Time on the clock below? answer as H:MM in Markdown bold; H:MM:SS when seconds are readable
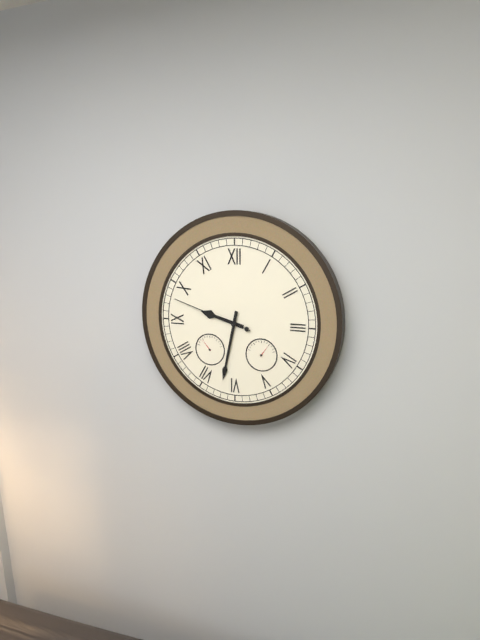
**9:32:48**
